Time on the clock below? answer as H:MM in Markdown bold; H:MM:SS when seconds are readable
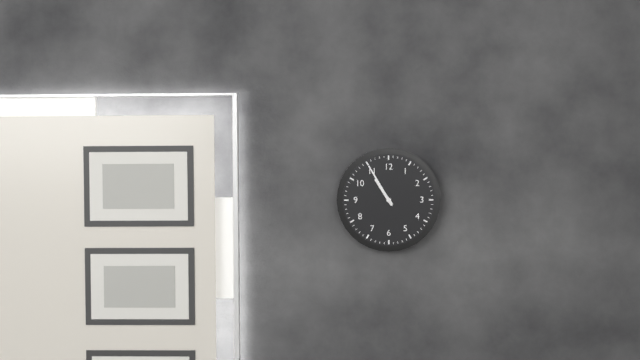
**10:55**
